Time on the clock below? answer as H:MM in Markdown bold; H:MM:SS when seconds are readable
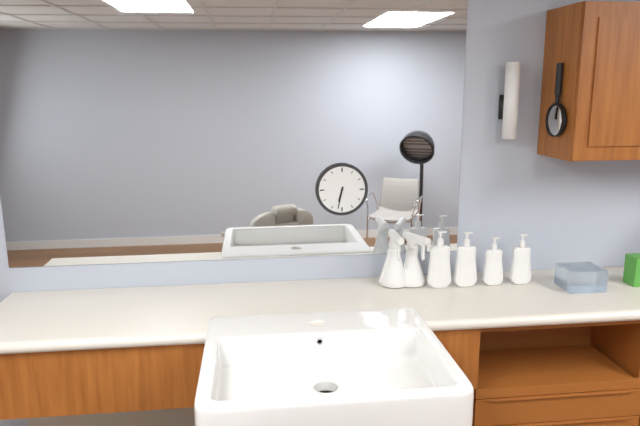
**6:32**
